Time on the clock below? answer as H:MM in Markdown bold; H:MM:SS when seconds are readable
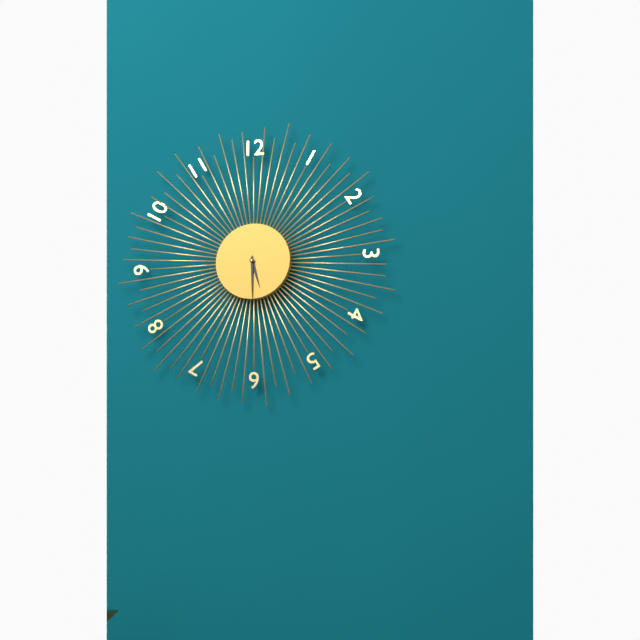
**5:30**
